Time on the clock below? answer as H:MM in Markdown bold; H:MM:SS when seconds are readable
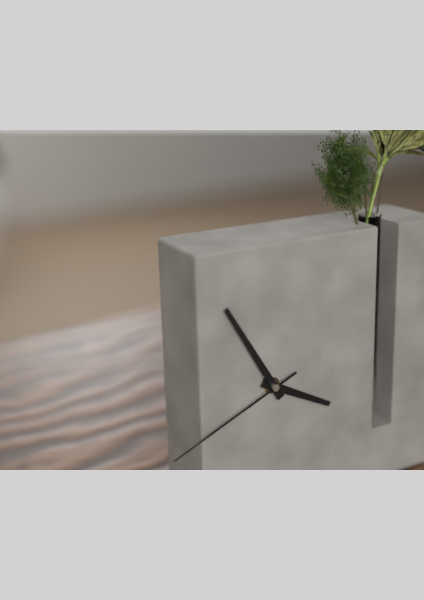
**3:55:41**
